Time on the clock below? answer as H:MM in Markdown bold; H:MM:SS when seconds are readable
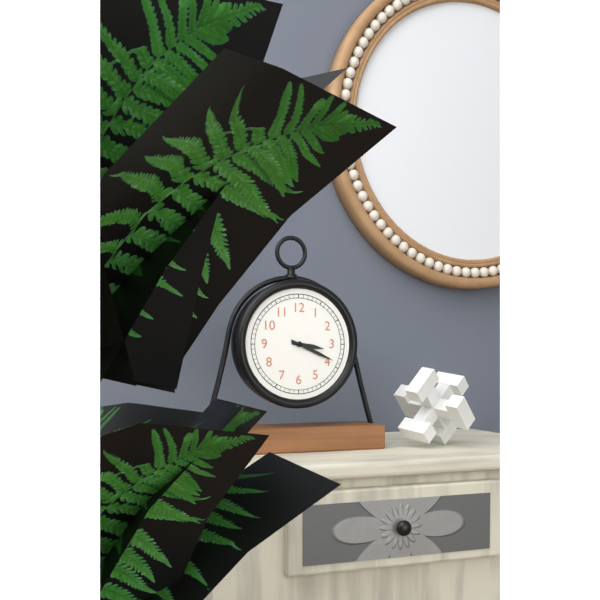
**3:19**
